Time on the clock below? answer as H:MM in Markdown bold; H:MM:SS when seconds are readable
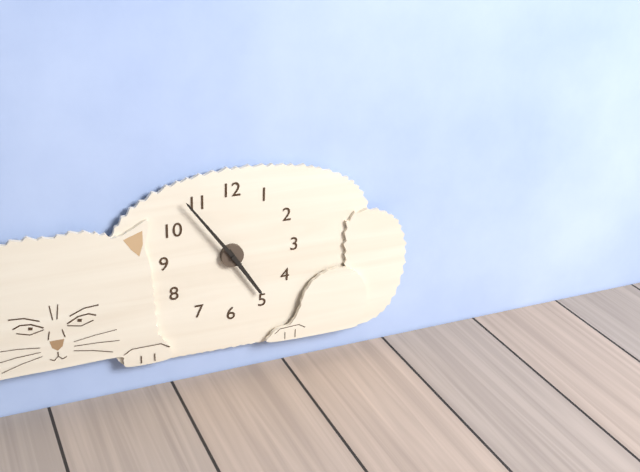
**4:54**
